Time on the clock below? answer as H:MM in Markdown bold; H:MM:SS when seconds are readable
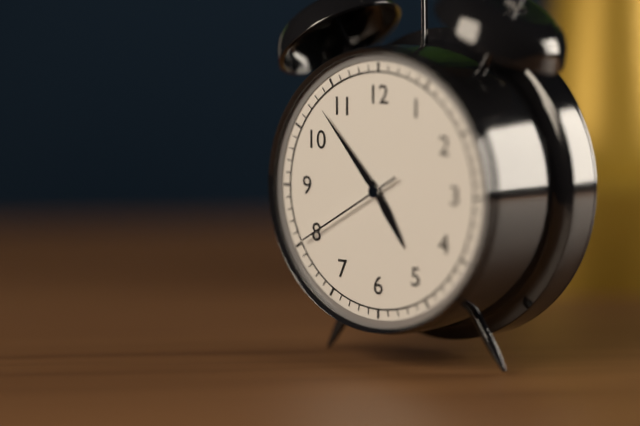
**4:53:40**
